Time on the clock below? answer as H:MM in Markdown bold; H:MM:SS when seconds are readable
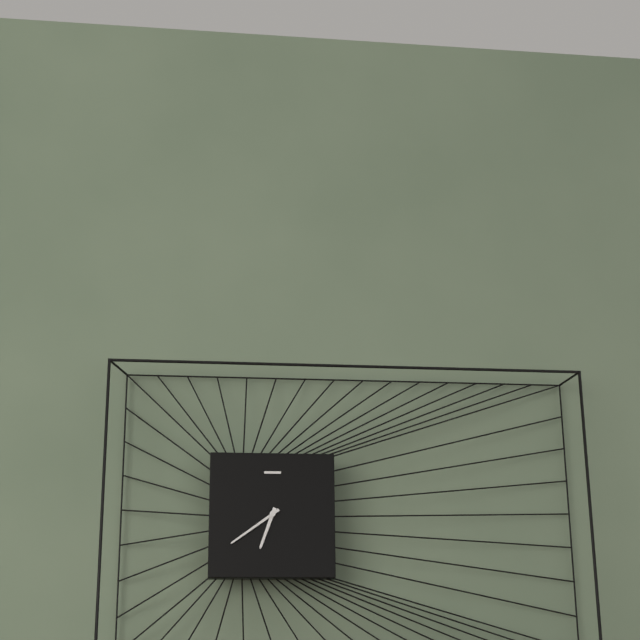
**6:39**
